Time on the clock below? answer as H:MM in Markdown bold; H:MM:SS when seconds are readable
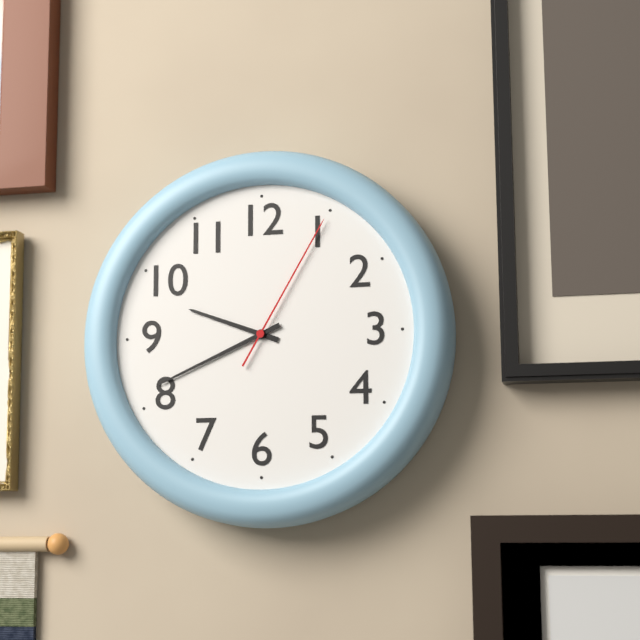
**9:41:05**
